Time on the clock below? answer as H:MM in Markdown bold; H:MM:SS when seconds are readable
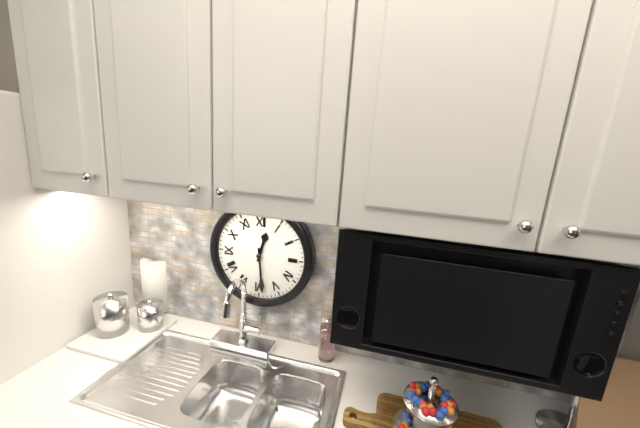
**12:29**
